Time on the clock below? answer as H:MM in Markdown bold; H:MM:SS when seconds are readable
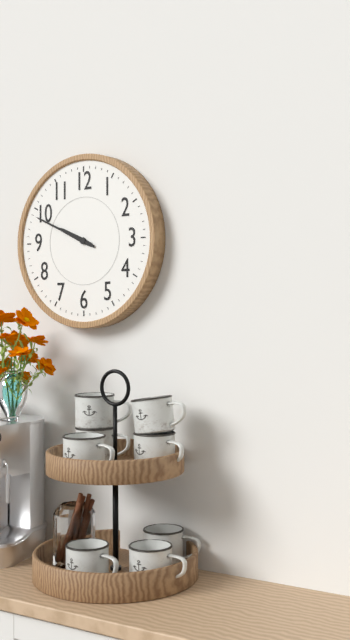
**9:49**
